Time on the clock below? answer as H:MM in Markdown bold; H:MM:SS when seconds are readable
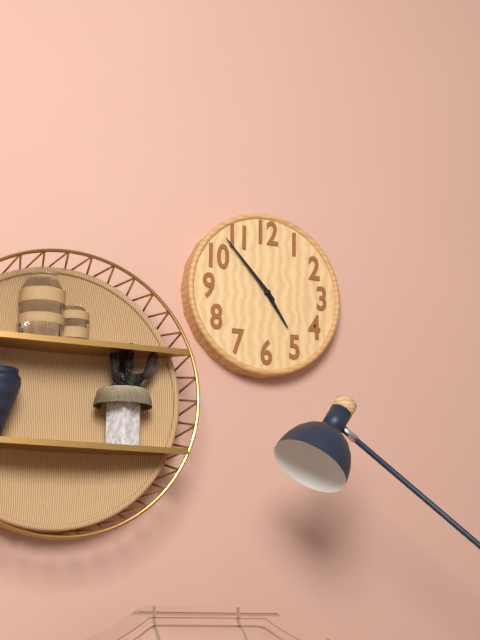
**4:53**
